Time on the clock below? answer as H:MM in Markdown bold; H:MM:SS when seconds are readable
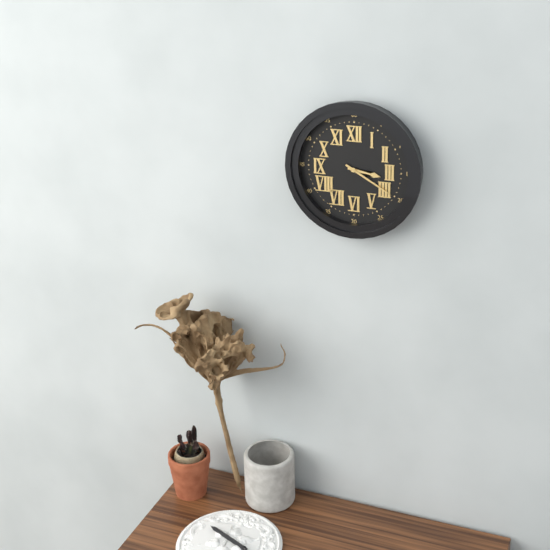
**3:20**
